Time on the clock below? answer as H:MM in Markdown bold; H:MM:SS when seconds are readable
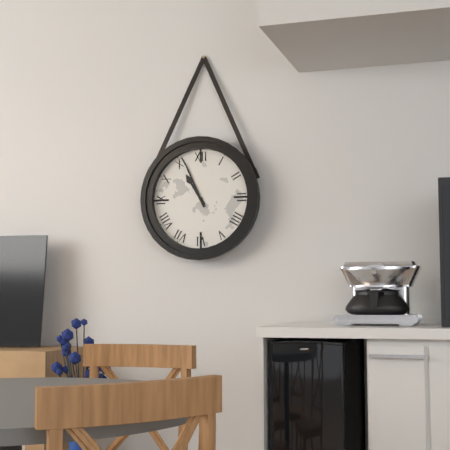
**10:56**
